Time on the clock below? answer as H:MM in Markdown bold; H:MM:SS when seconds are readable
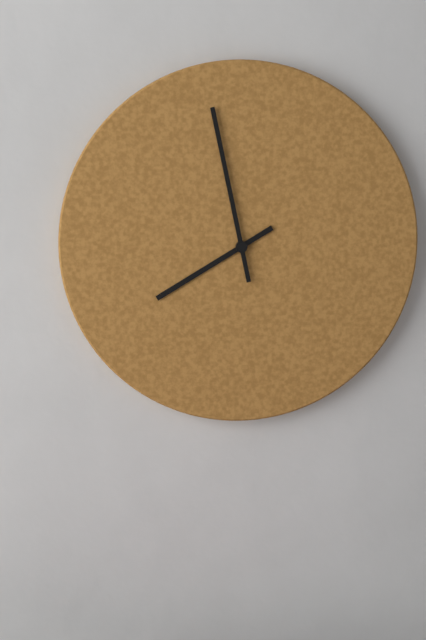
**7:58**
